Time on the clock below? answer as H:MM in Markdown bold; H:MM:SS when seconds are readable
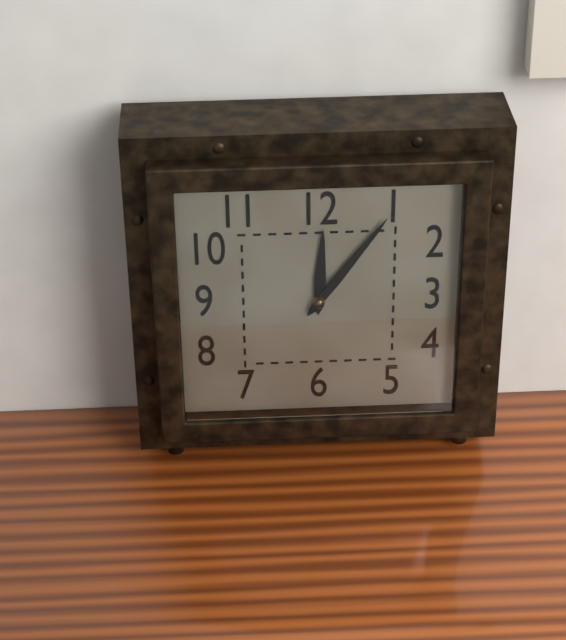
**12:06**
